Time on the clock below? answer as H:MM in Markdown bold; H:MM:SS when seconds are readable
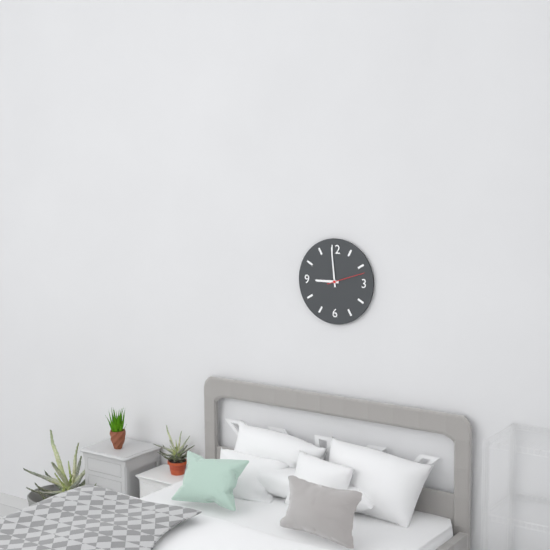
**8:59**
